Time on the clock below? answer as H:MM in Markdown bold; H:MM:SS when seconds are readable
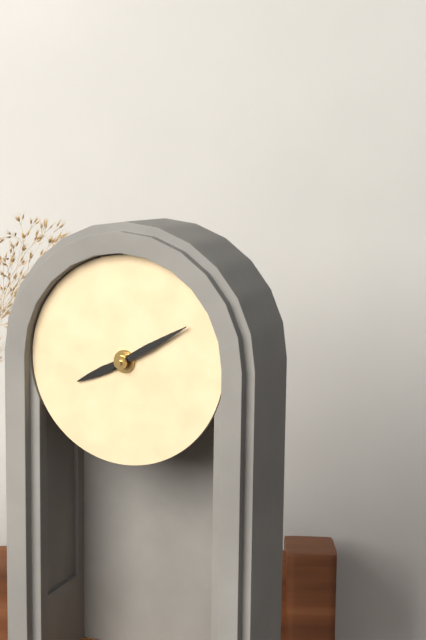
**8:10**
